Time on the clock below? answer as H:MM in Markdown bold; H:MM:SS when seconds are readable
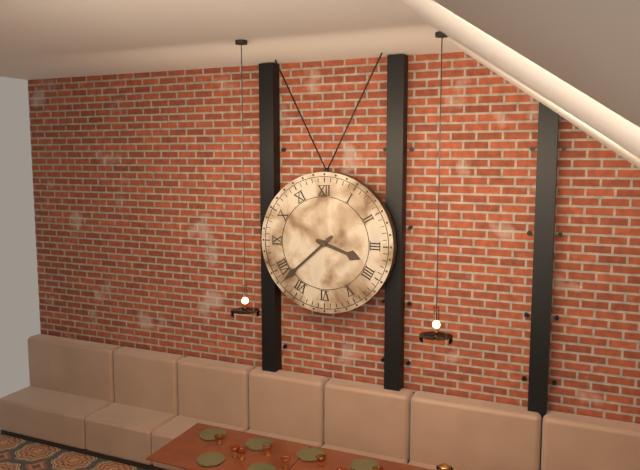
**3:38**
